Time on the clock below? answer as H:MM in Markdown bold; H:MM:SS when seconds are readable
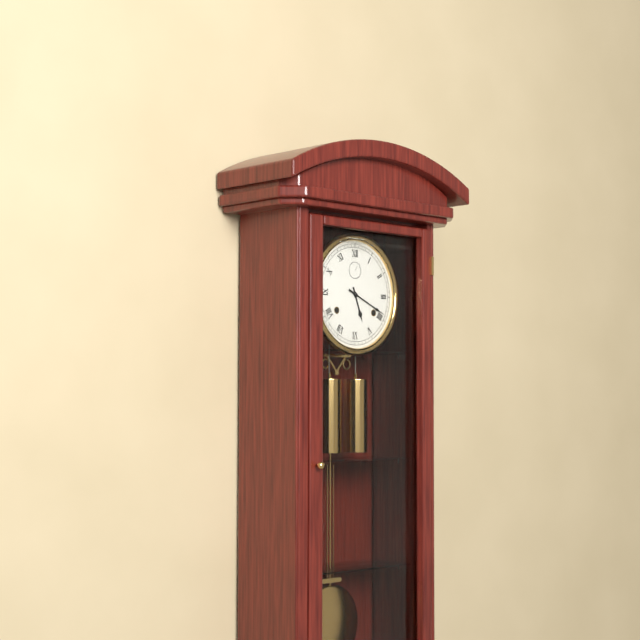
**5:19**
